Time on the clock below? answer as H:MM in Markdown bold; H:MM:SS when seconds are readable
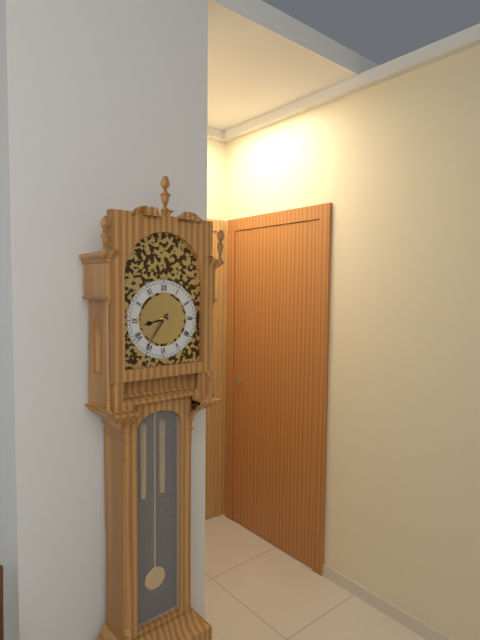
**8:36**
